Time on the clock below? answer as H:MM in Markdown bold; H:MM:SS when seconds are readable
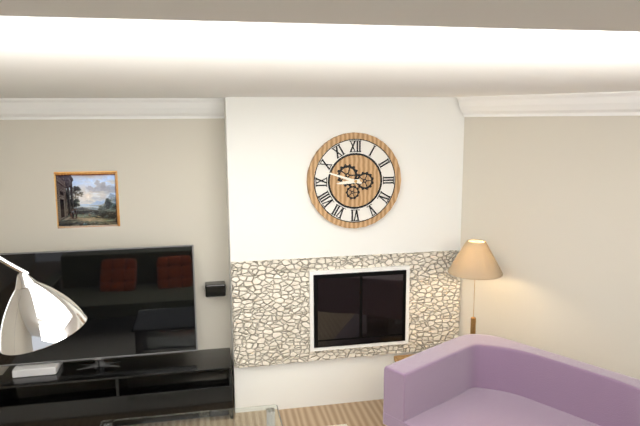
**8:48**
